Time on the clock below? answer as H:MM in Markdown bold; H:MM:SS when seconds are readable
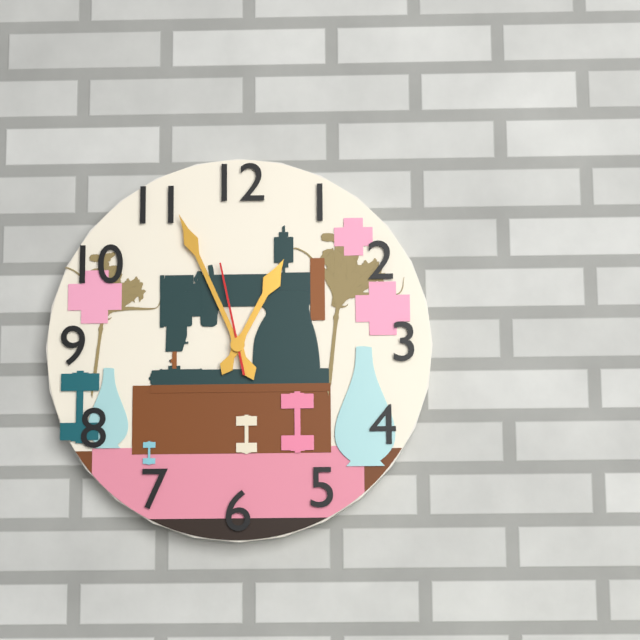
**12:56:58**
